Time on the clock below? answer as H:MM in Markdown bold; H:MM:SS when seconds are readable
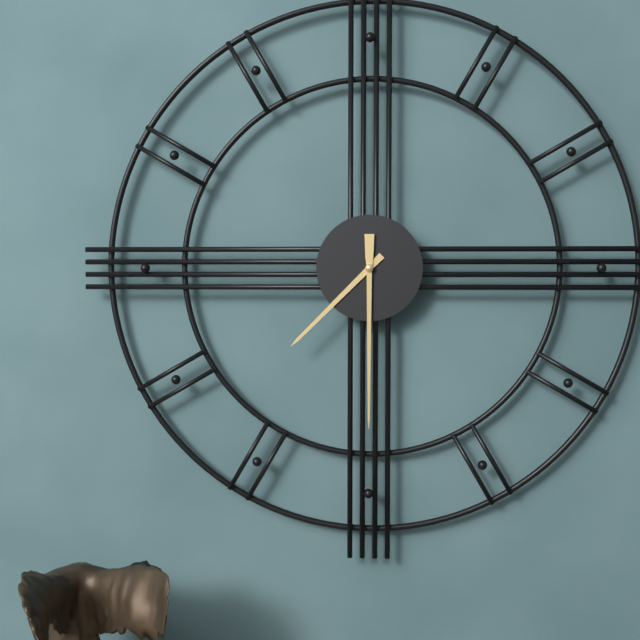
**7:30**
